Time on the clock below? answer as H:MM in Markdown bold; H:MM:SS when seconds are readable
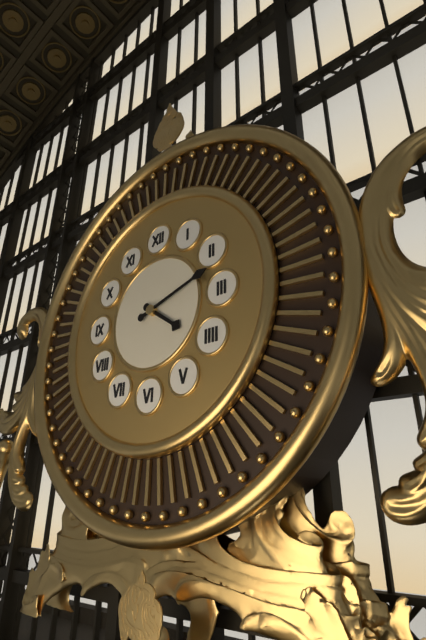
**4:12**
